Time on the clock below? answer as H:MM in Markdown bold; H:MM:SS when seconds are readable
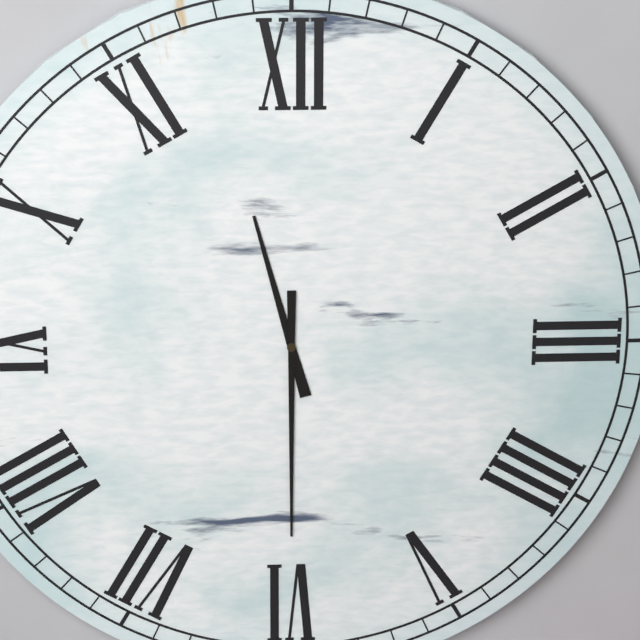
**11:30**
